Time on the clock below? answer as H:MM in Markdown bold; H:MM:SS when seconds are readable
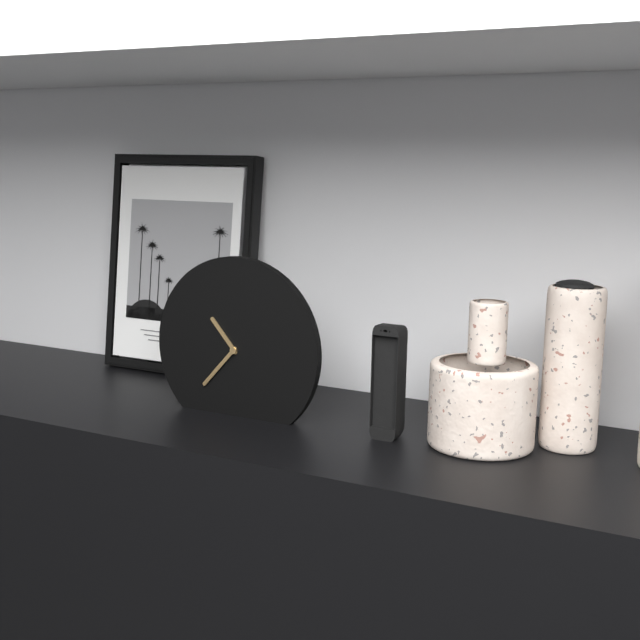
**10:37**
